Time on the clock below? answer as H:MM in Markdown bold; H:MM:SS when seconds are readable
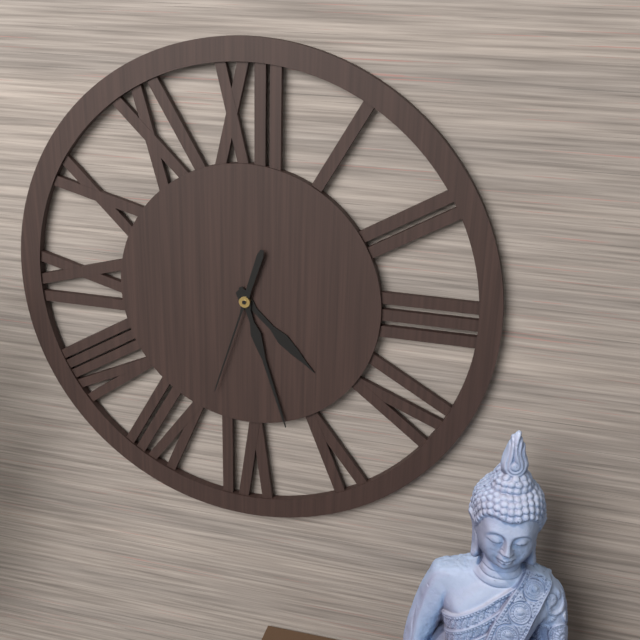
**4:27:33**
